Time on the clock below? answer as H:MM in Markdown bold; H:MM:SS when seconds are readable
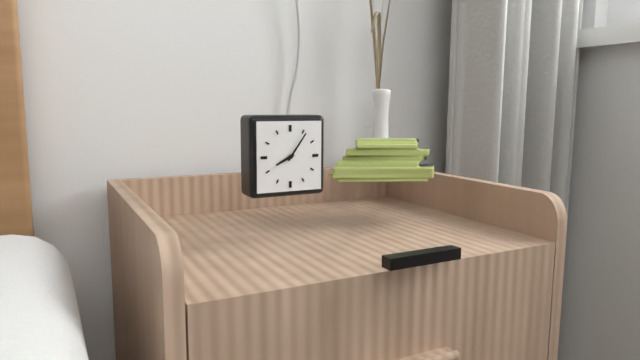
**8:06**
